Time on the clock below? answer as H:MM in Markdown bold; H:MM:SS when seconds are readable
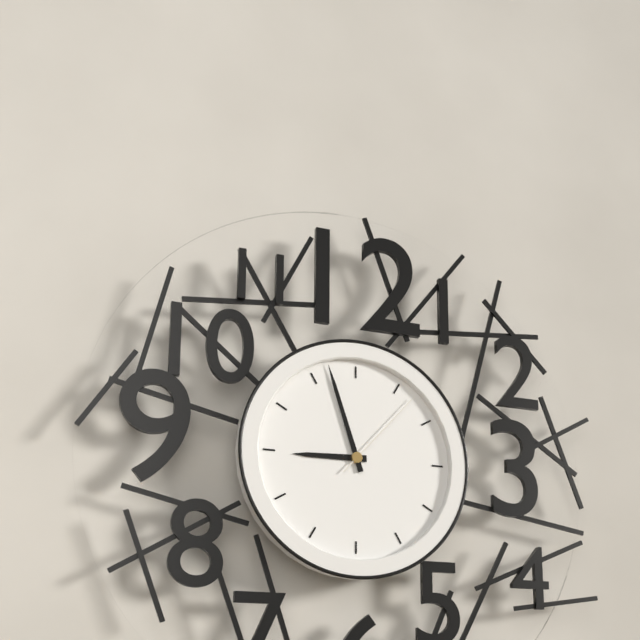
**8:57:07**
